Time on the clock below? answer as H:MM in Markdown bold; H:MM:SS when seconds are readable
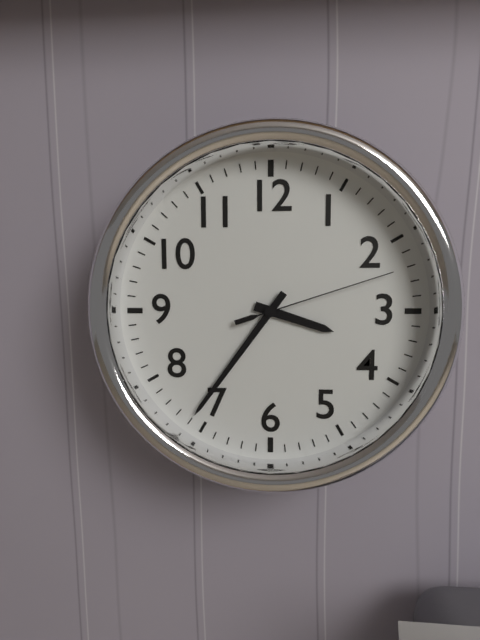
**3:36:12**
